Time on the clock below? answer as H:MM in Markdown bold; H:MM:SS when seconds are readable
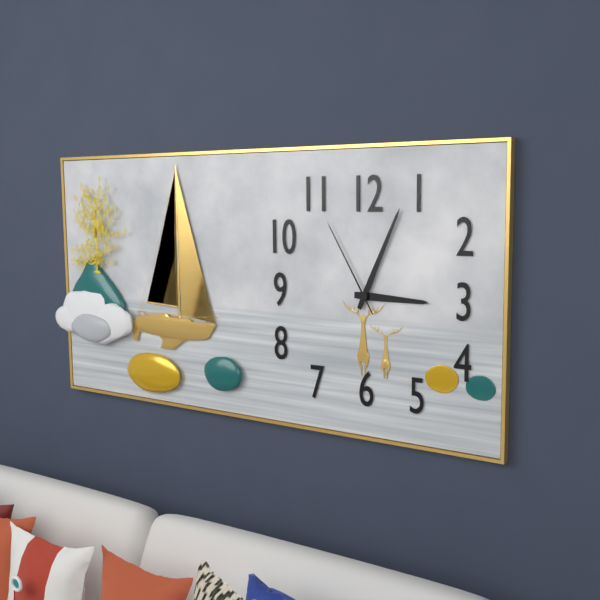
**3:04:55**
